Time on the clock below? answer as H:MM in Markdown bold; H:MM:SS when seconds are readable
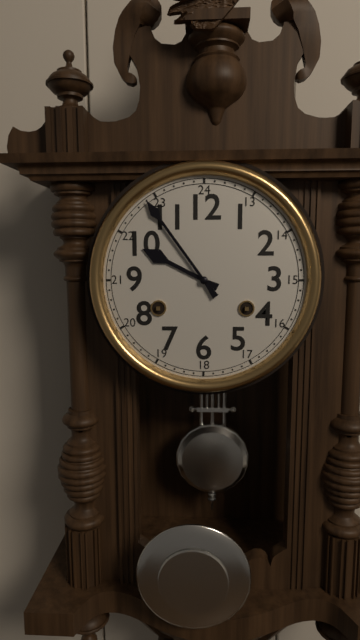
**9:54**
